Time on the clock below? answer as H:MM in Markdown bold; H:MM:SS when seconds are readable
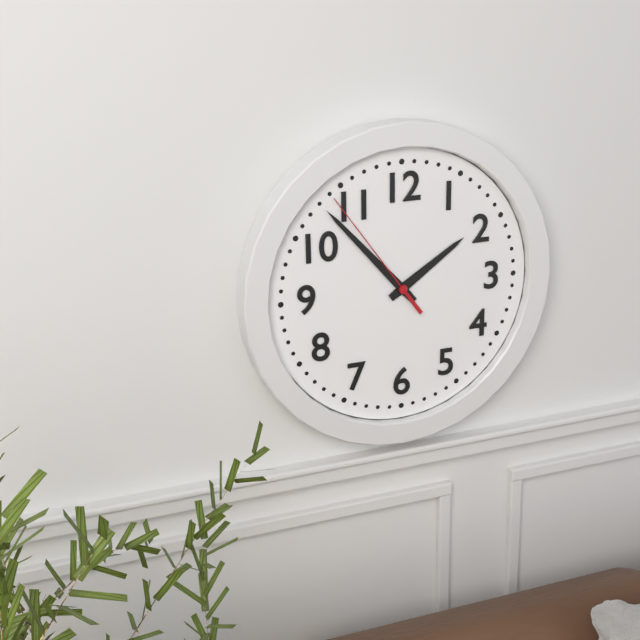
**1:53:54**
